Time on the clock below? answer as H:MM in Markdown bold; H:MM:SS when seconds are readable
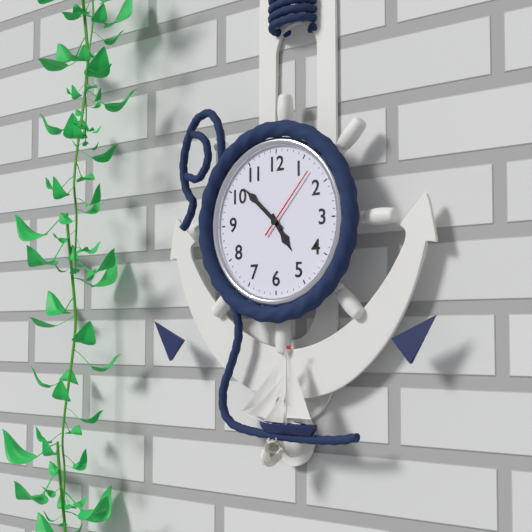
**4:52:07**
